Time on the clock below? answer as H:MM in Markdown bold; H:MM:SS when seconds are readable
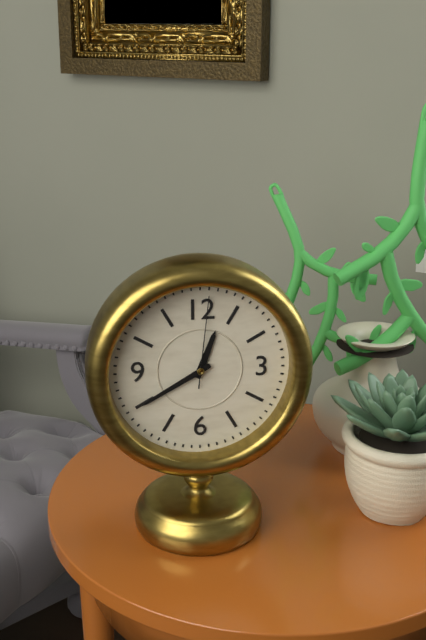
**12:40:01**
